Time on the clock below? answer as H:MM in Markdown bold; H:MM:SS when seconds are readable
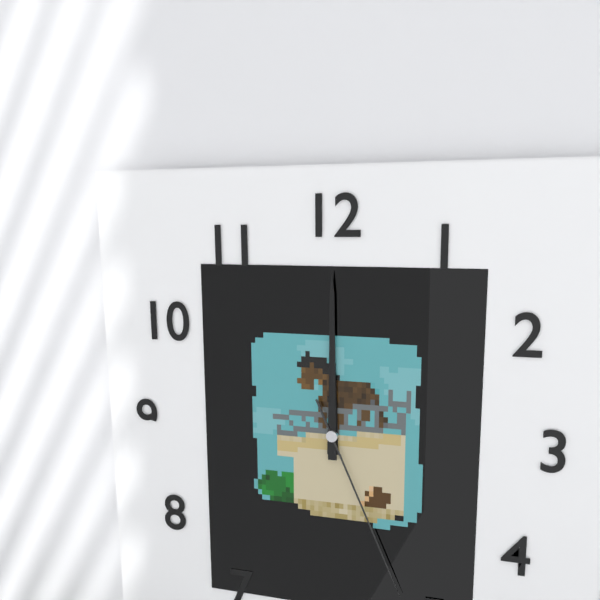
**12:00:26**
